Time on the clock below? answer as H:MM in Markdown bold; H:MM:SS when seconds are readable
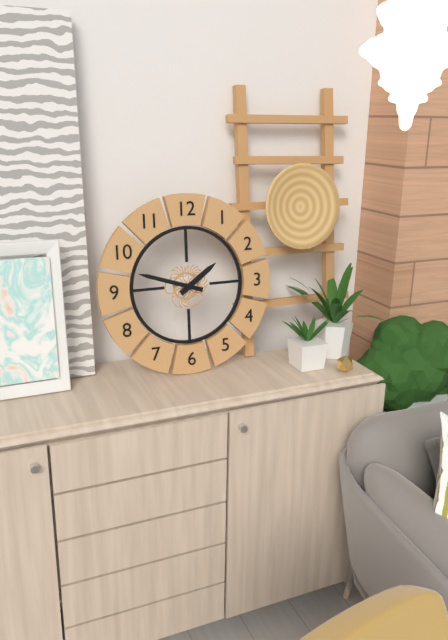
**1:48**
